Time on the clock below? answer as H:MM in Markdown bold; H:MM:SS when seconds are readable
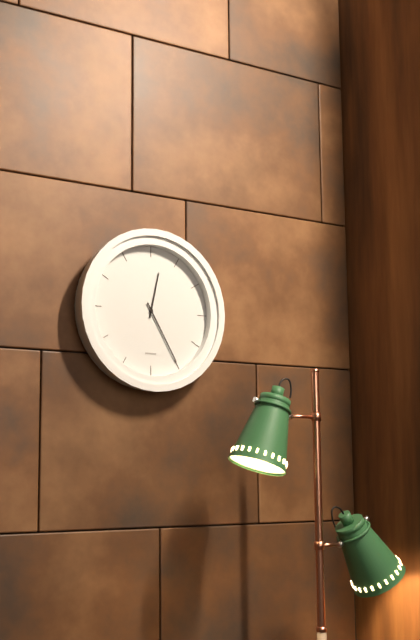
**12:25**
